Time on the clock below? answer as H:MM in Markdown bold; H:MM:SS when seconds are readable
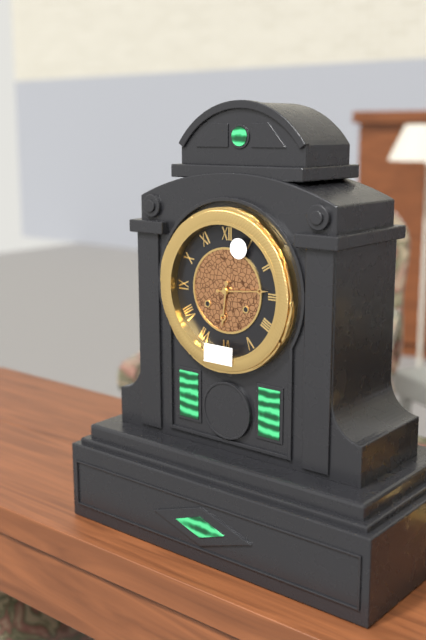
**6:14**
